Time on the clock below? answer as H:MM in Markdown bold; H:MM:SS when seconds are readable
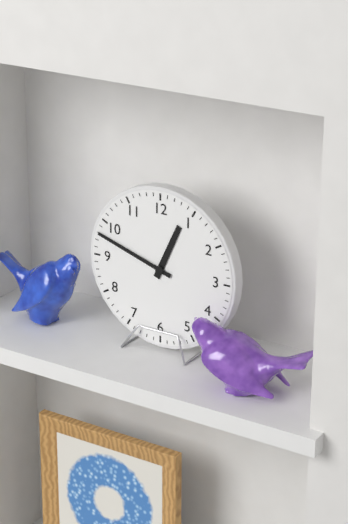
**12:48**
